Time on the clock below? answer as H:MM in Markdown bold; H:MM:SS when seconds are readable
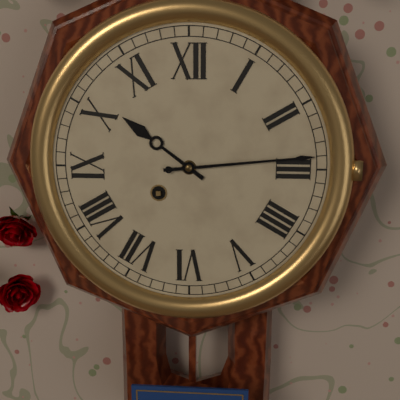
**10:14**
